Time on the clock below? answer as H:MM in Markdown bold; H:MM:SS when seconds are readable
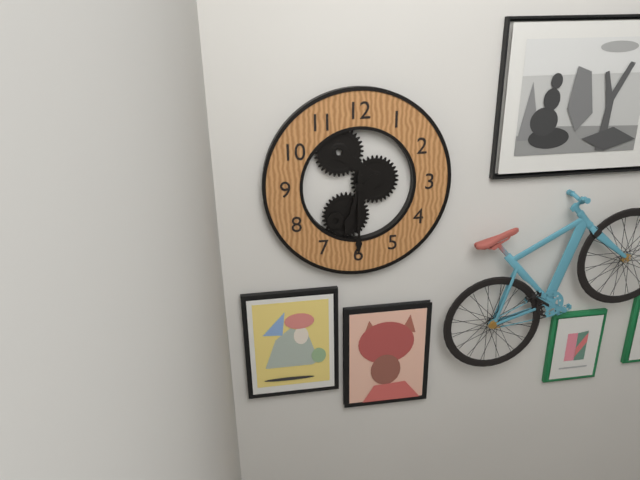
**6:30**
